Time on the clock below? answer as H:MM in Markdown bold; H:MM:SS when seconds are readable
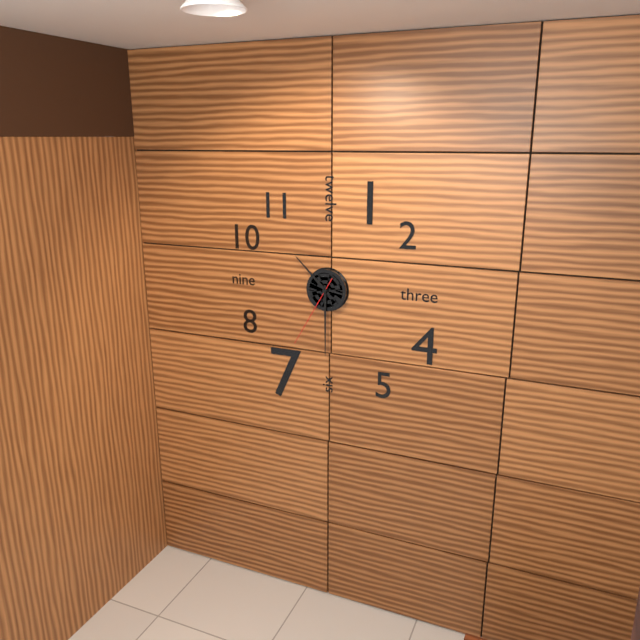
**10:30:35**
